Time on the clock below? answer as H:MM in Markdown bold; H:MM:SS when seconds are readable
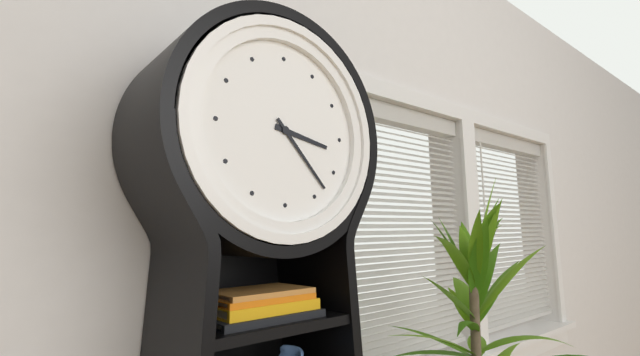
**3:23**
